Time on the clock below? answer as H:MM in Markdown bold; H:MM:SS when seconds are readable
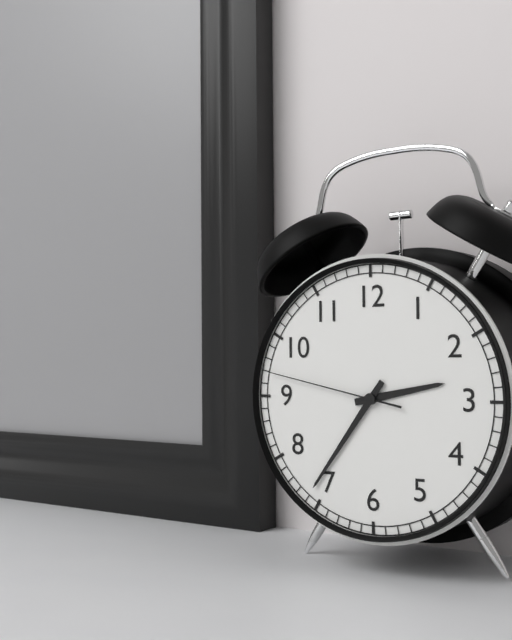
**2:36:47**
